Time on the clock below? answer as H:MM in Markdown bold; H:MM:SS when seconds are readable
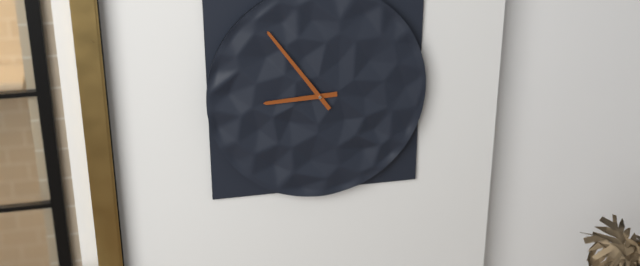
**8:54**
